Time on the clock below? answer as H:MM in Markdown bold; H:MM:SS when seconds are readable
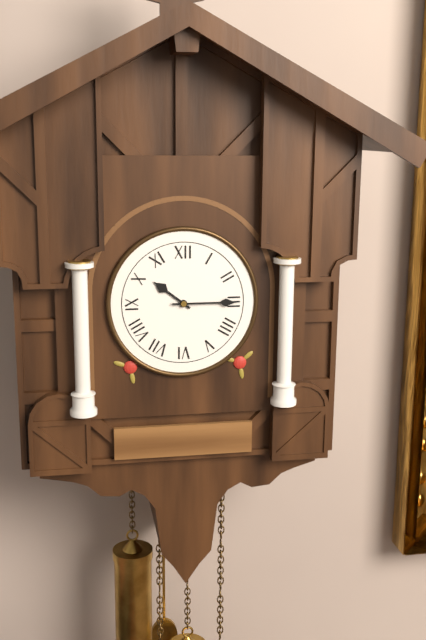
**10:15**
